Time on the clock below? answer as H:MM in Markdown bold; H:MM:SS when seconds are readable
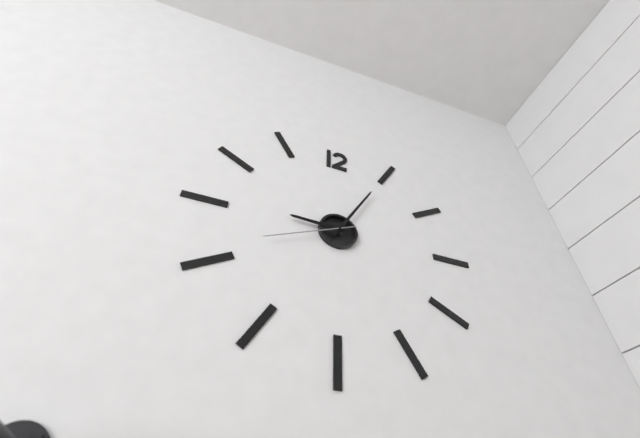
**9:05:41**
